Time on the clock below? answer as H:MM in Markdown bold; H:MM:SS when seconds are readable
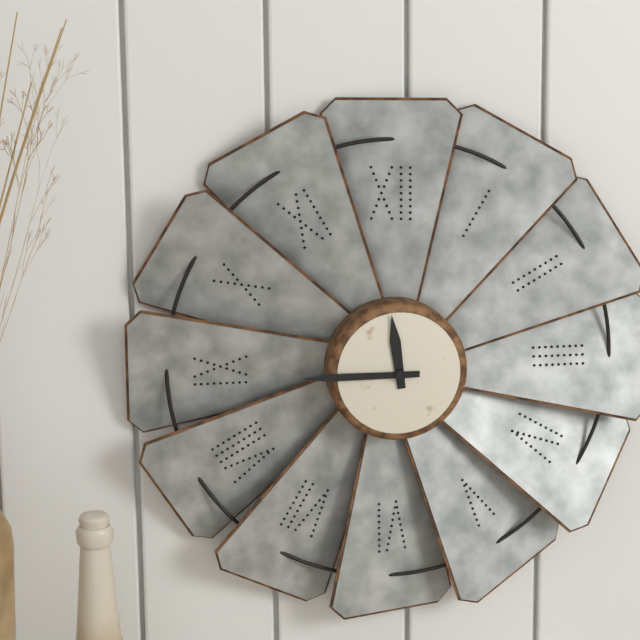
**11:45**
